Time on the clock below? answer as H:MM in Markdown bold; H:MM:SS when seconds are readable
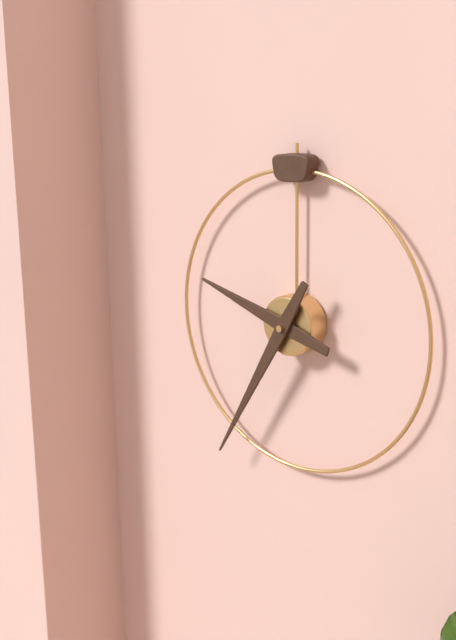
**9:35**
